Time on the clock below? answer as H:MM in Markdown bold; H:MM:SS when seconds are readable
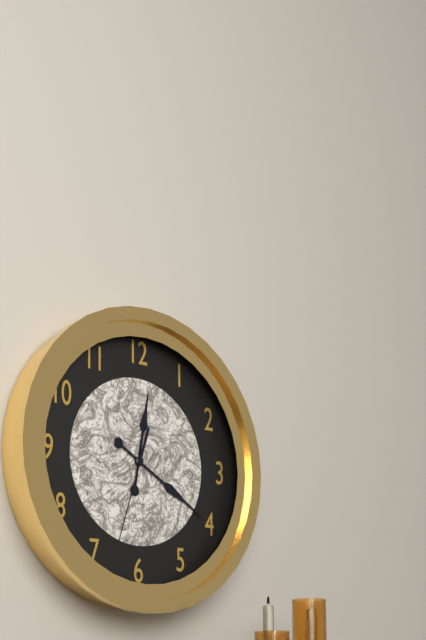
**12:20:33**
